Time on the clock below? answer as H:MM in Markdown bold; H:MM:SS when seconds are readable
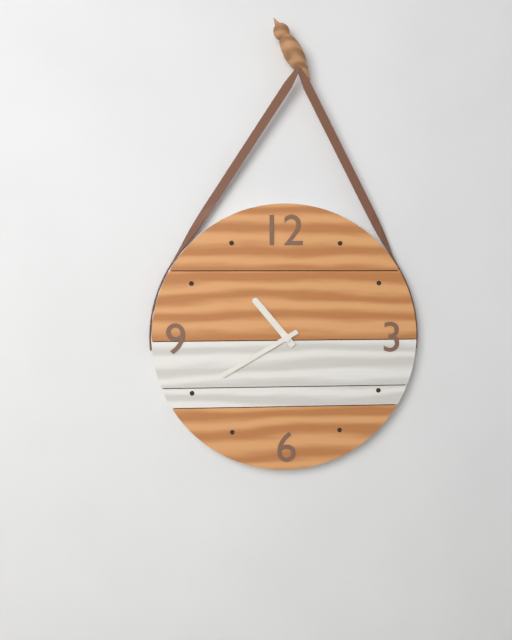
**10:40**
